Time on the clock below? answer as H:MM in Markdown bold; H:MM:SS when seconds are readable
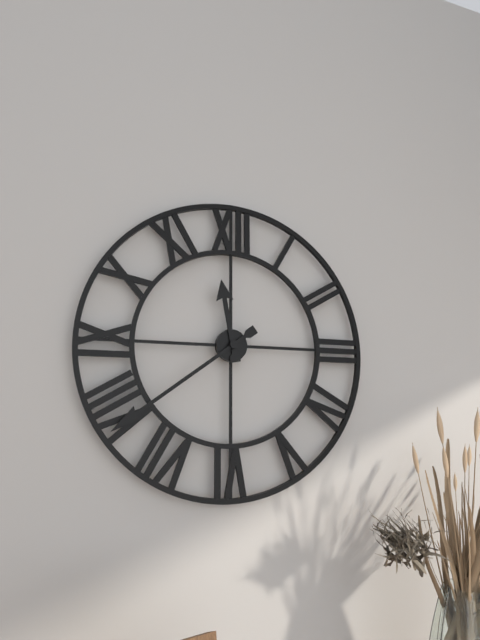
**11:39**
